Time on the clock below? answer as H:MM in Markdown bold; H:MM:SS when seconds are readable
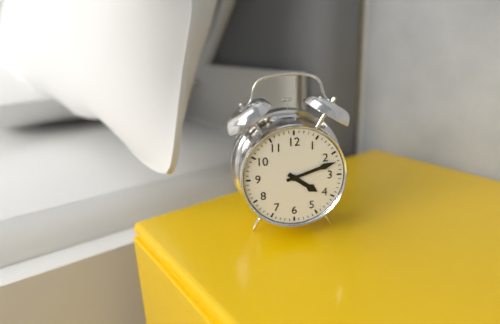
**4:12**
